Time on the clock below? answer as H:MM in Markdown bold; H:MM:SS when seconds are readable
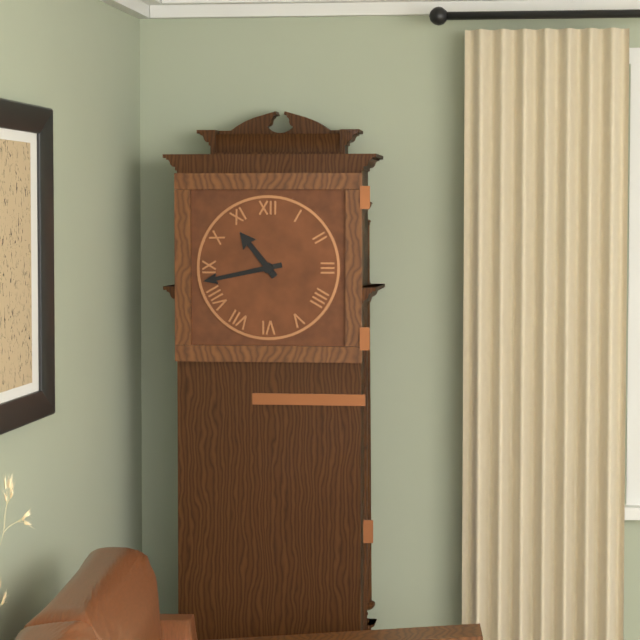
**10:43**
